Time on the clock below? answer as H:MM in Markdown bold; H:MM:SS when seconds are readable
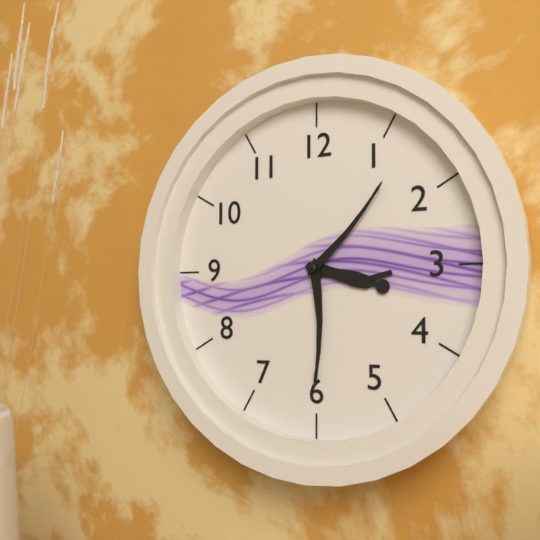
**3:30:07**
